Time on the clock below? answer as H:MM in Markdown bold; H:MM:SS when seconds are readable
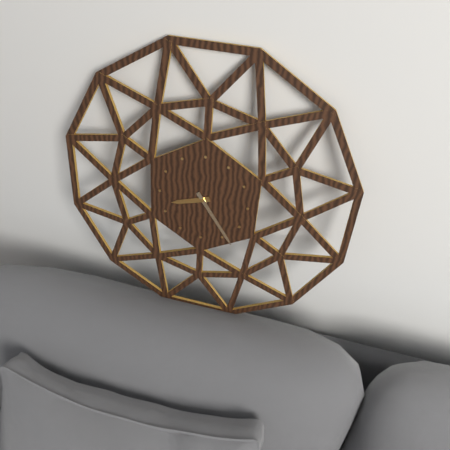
**8:24**
